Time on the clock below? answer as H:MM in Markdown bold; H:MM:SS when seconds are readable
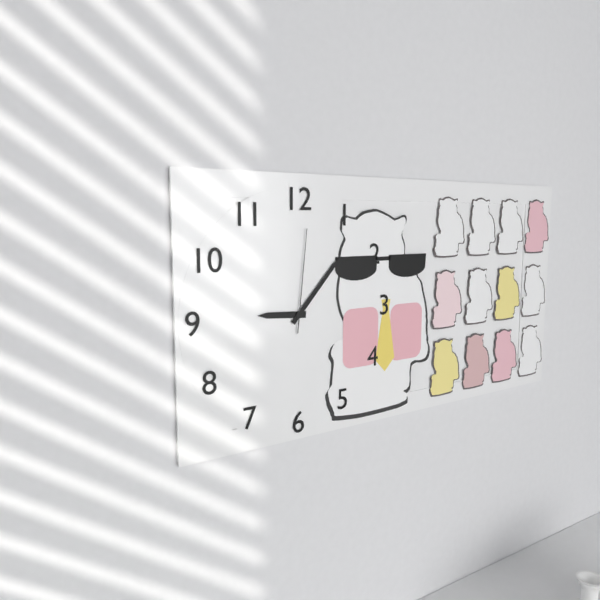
**9:07:01**
